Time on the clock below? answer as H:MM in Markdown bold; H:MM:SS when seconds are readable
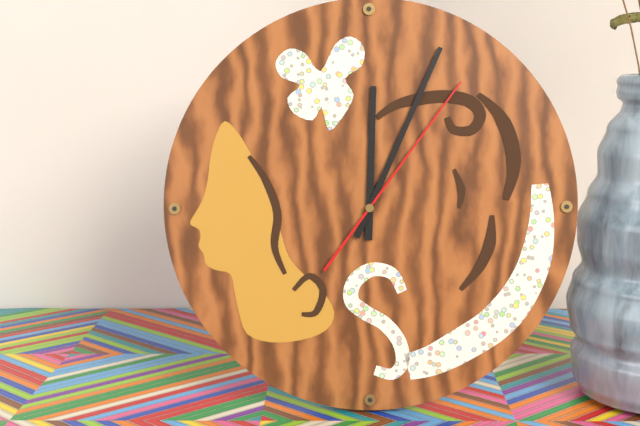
**12:04:06**
